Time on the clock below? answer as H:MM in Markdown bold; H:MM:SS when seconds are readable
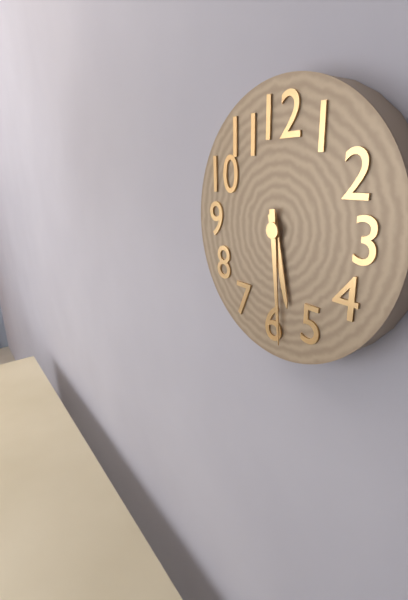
**5:29**
